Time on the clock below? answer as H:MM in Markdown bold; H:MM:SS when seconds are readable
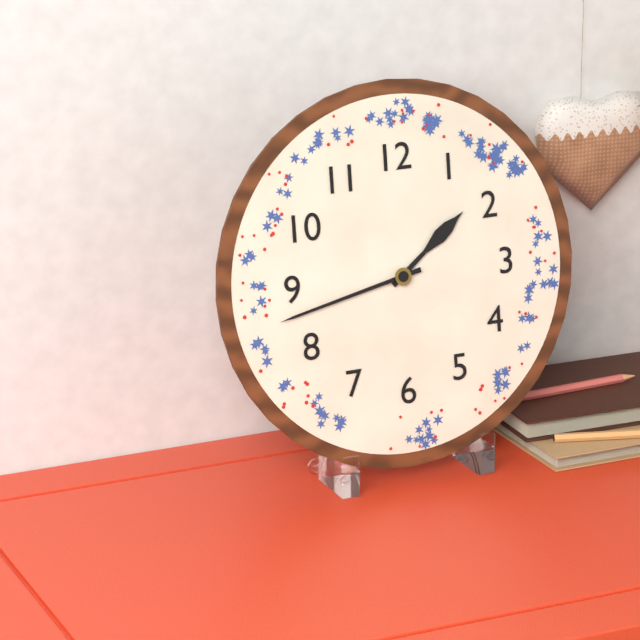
**1:43**
